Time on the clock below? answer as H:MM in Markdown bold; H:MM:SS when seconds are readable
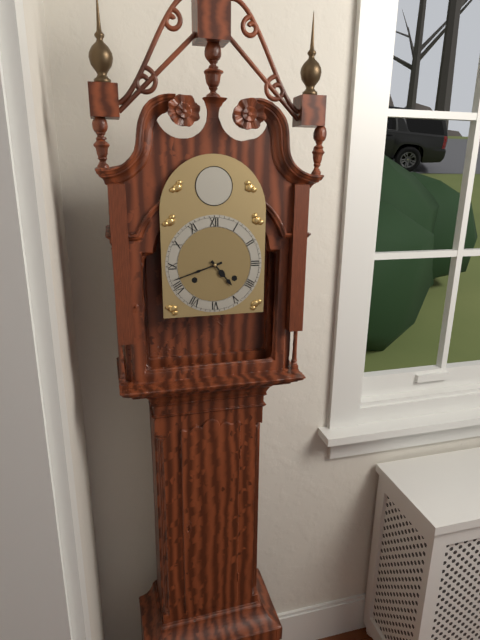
**4:42**
